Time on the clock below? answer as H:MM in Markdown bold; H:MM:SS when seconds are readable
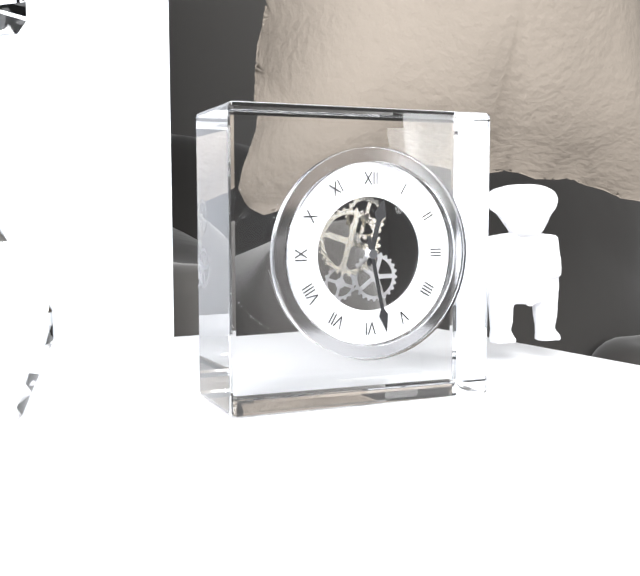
**12:28**
